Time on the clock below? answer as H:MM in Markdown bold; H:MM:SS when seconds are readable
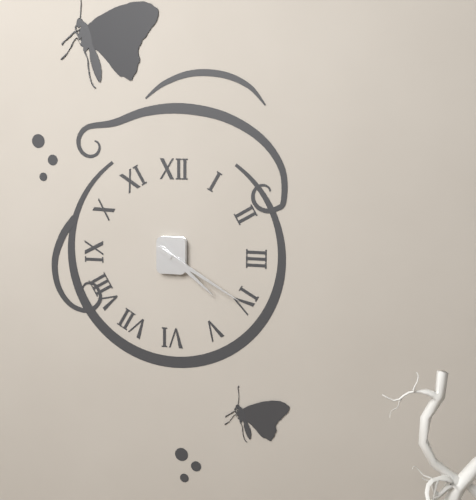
**4:20**
